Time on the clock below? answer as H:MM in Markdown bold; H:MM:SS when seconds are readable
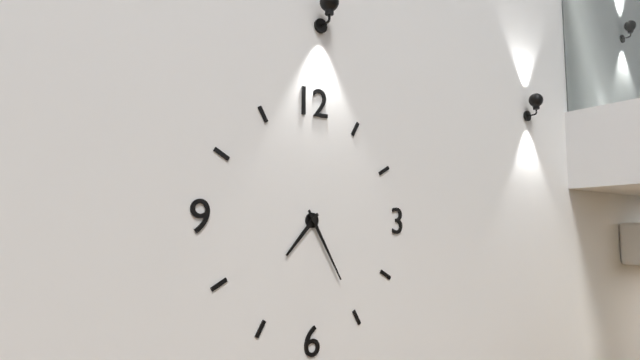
**7:25**
